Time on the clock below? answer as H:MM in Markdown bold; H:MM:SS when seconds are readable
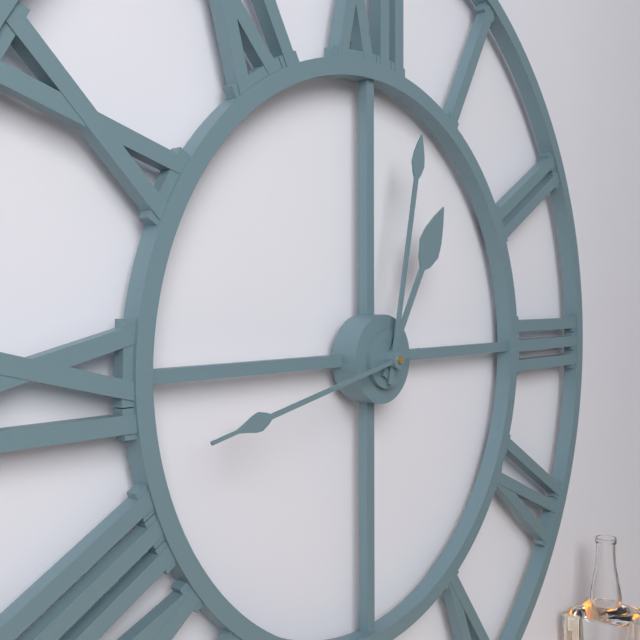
**1:02:43**
